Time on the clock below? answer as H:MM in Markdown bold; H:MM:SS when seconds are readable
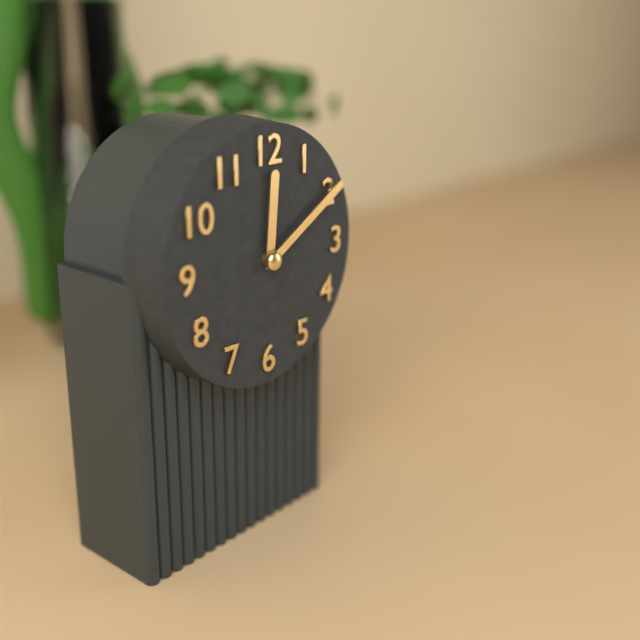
**12:10**
